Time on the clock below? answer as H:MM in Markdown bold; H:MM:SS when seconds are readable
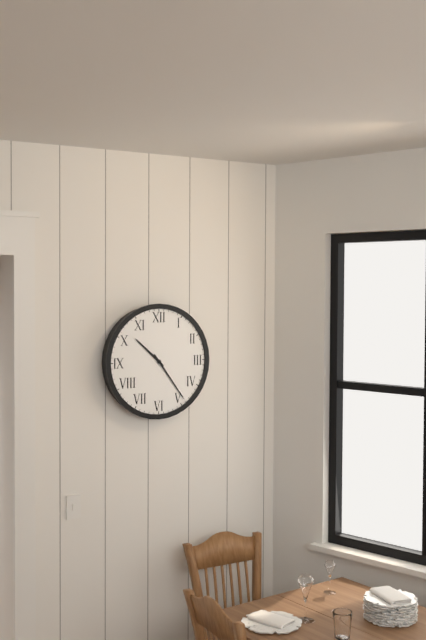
**10:24**
